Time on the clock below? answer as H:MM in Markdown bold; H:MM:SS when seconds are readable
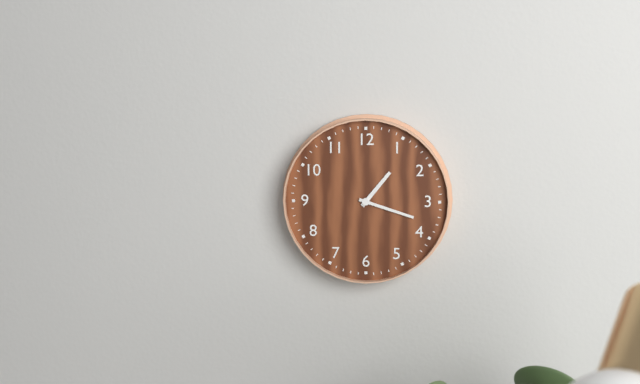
**1:18**
